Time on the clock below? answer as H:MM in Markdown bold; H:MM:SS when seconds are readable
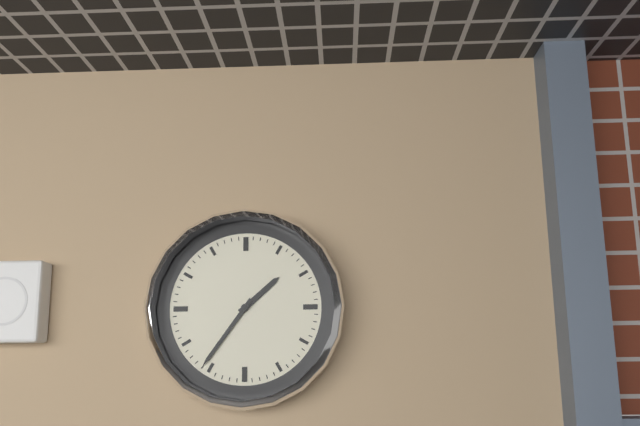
**1:36**
